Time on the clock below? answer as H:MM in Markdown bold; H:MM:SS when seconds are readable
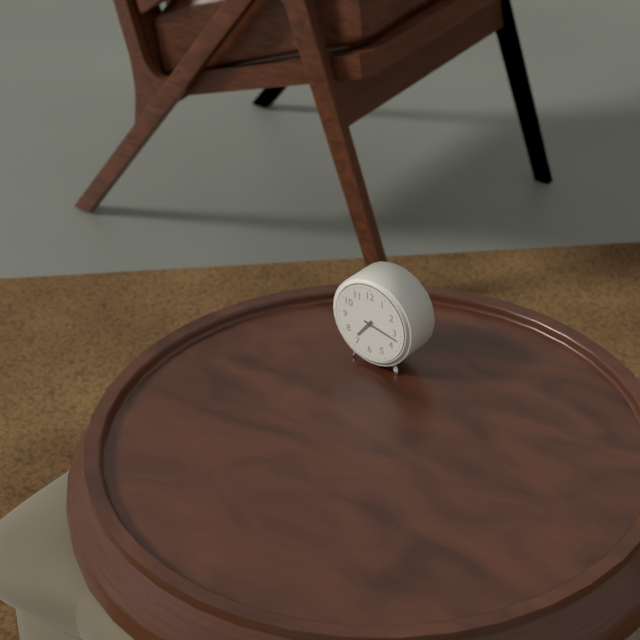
**7:17**
